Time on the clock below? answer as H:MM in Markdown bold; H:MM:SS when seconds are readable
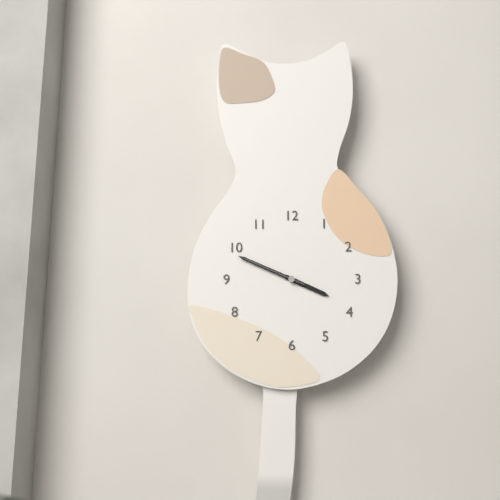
**3:49:49**
